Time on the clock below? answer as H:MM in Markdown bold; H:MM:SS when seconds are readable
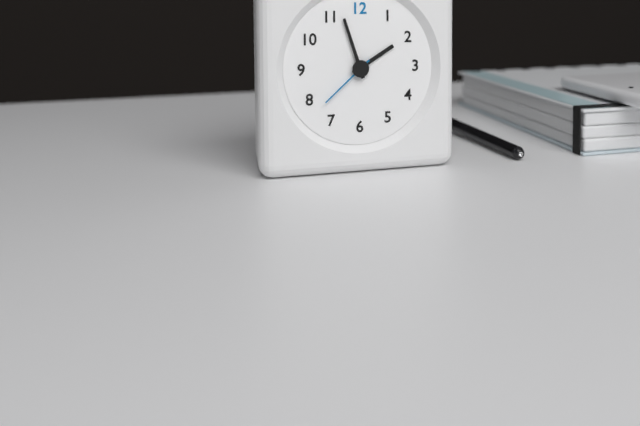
**1:57:38**
